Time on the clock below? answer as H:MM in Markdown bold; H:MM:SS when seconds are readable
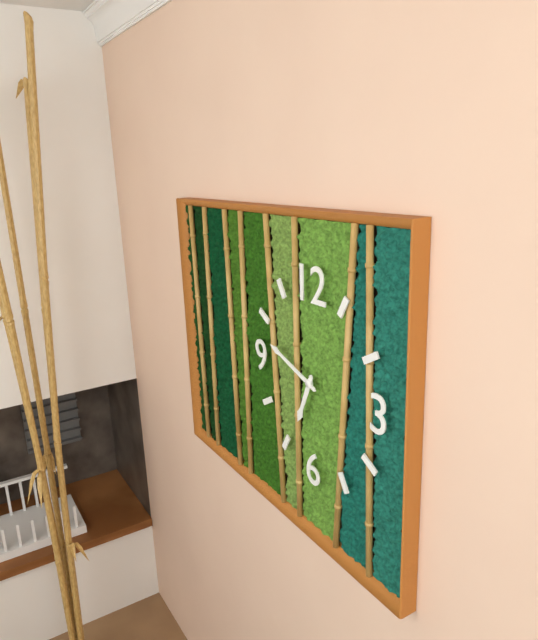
**6:48**
